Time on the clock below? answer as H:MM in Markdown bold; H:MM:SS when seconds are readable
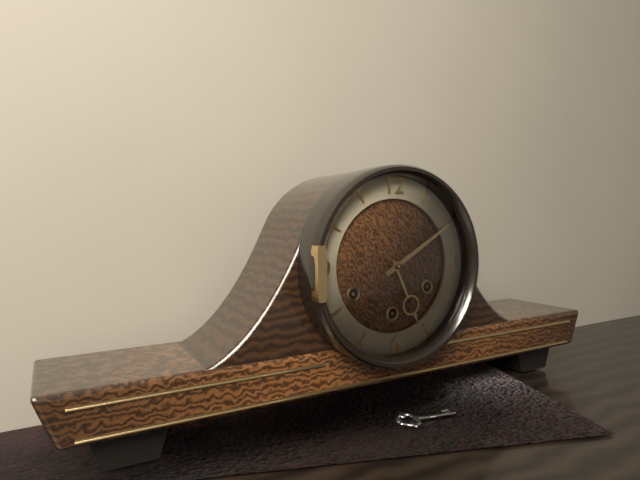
**5:10**
